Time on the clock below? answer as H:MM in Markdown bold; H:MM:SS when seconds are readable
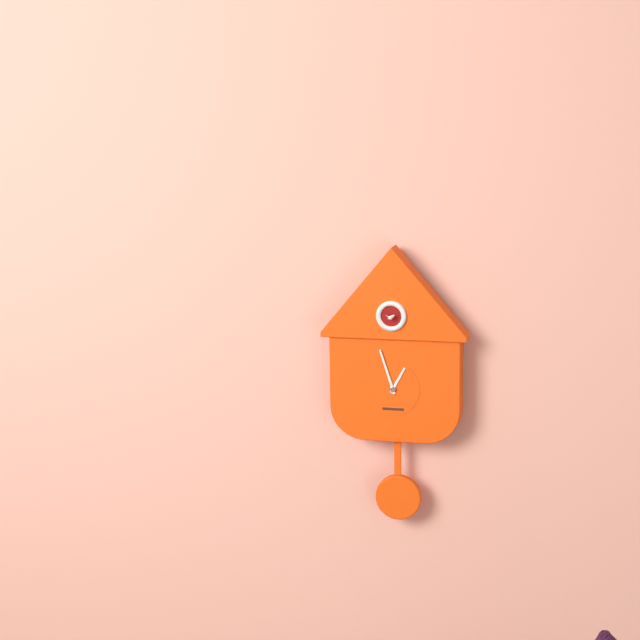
**12:57**
